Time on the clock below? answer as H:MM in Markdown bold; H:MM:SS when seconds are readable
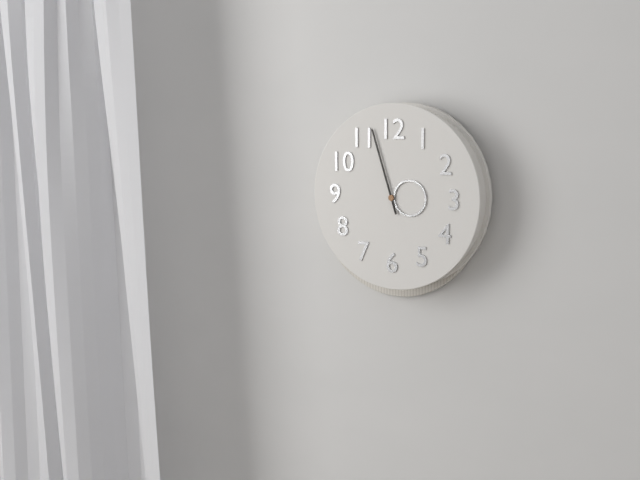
**2:57**
